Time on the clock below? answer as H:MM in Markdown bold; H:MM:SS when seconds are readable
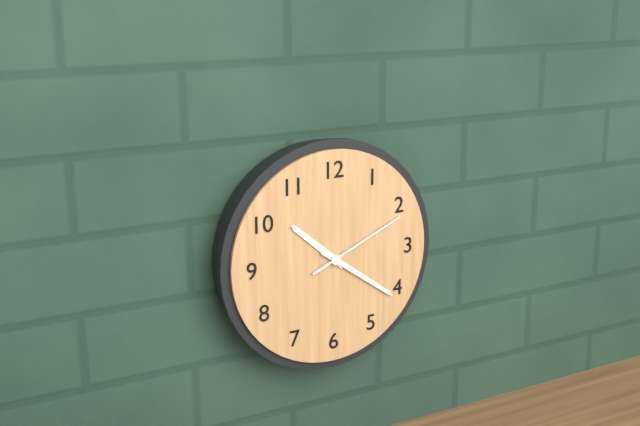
**10:21:11**
